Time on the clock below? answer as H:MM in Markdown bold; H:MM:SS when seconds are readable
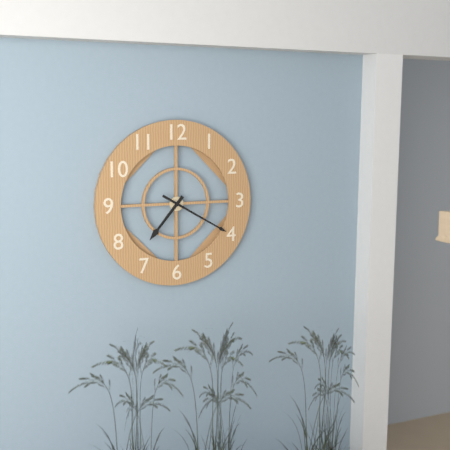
**7:20**
